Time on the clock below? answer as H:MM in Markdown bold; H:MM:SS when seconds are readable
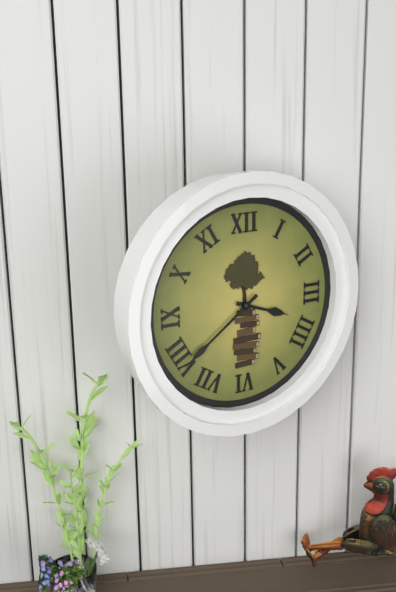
**3:39**
